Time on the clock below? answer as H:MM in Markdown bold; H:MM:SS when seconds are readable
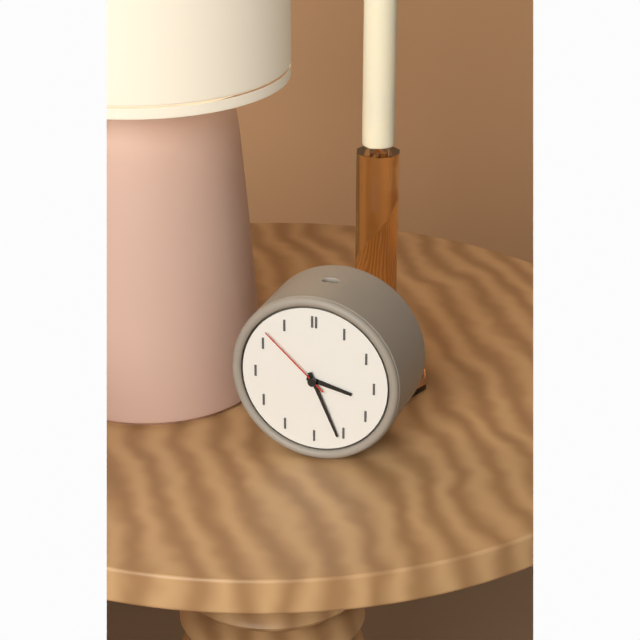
**3:26:52**
